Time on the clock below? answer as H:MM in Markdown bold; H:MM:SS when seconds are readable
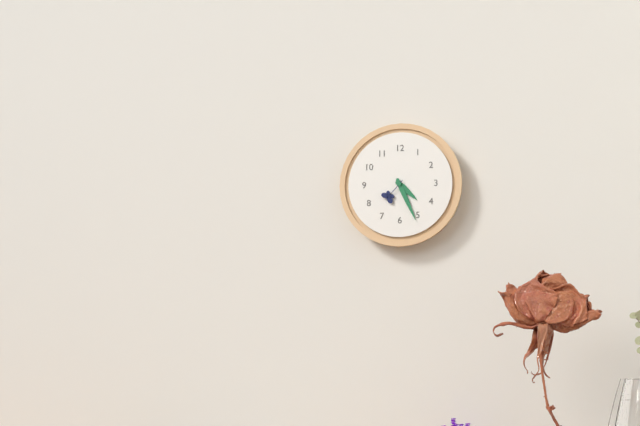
**4:26**
